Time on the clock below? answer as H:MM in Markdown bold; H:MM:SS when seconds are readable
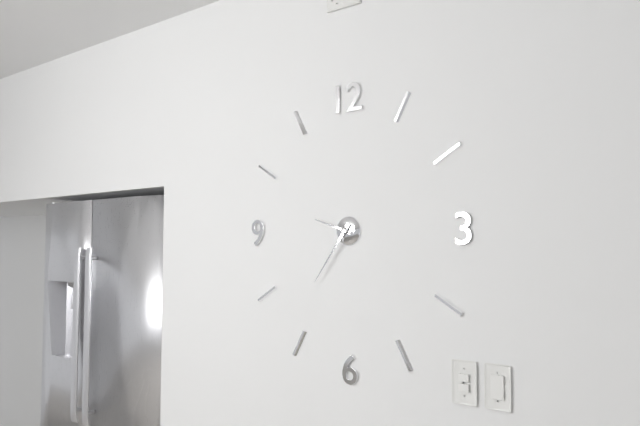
**9:36**
